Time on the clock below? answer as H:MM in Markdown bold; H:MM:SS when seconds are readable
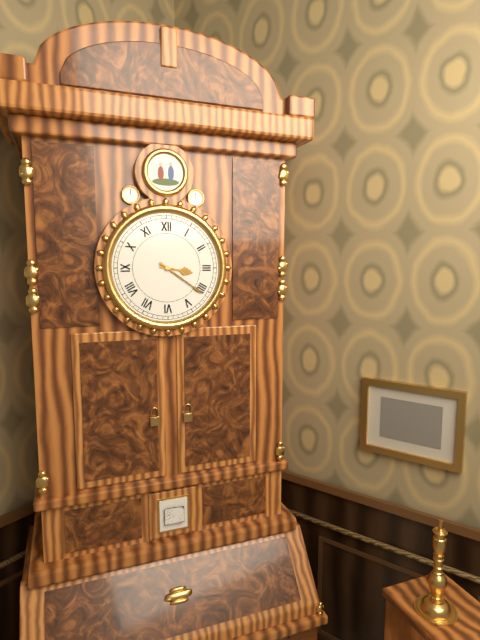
**3:21**
